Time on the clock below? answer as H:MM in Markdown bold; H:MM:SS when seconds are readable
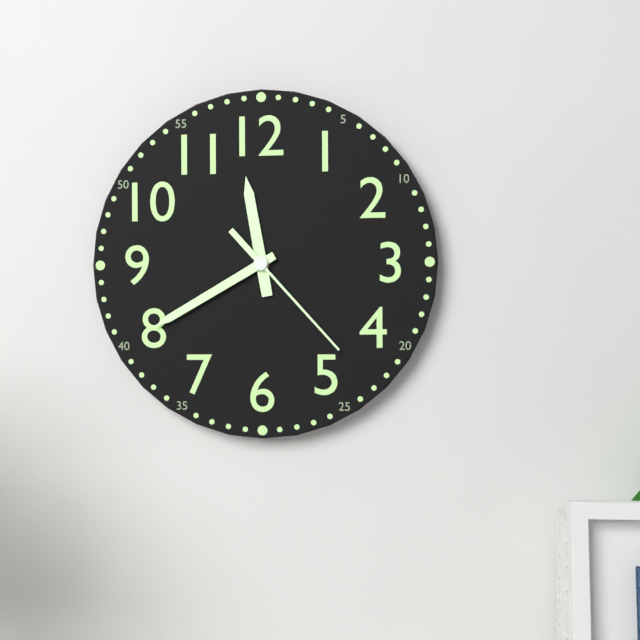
**11:40:23**
